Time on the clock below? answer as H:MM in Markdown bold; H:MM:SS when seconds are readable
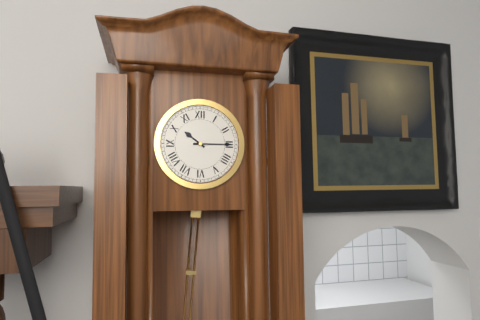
**10:15**
